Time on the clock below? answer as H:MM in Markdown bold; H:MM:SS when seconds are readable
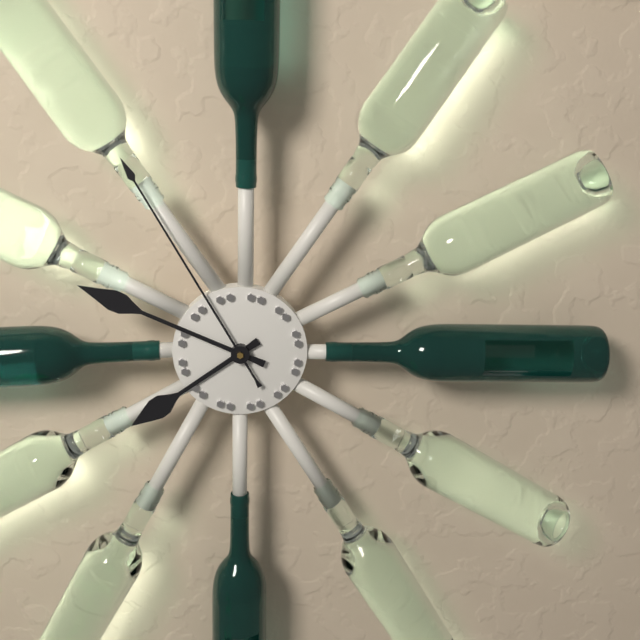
**7:49:55**
